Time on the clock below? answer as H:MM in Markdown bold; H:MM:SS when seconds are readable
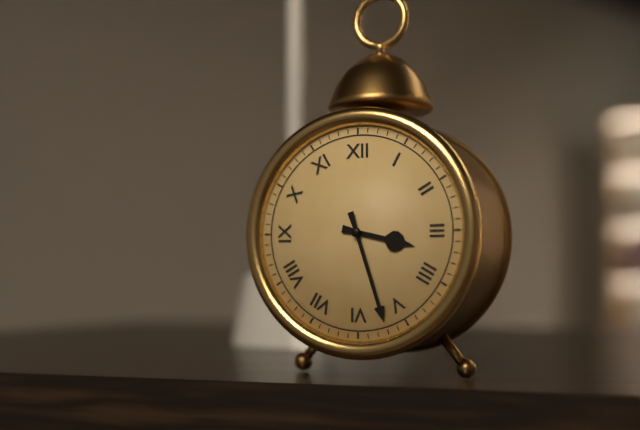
**3:27**
